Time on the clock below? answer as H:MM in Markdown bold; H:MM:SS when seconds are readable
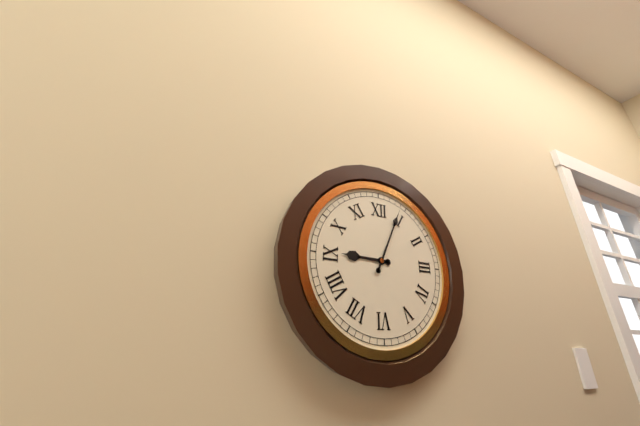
**9:04**
